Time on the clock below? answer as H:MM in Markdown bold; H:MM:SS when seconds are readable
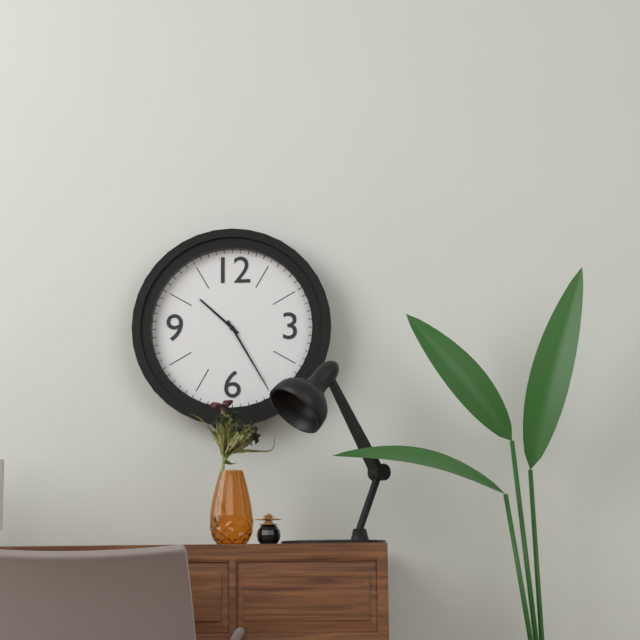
**10:25**
